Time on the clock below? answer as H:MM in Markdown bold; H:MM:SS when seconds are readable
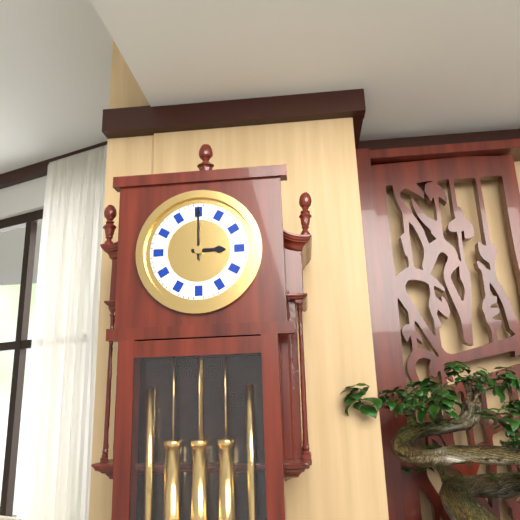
**3:00**
